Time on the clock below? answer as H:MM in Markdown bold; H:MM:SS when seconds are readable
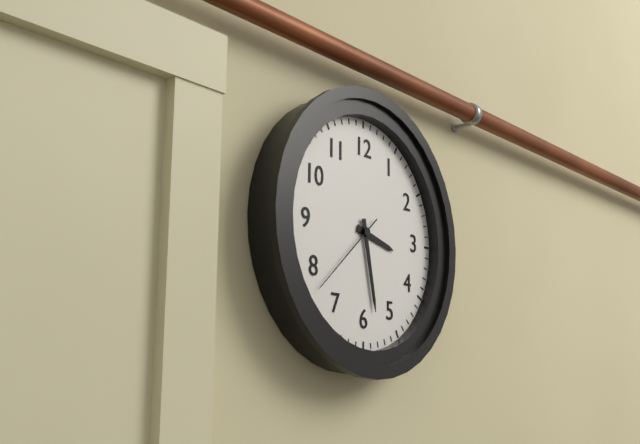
**3:28:38**
